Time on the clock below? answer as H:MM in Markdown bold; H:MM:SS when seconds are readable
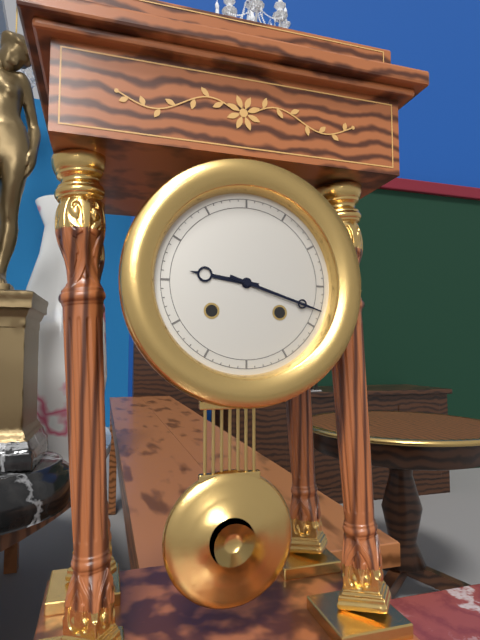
**9:18**
